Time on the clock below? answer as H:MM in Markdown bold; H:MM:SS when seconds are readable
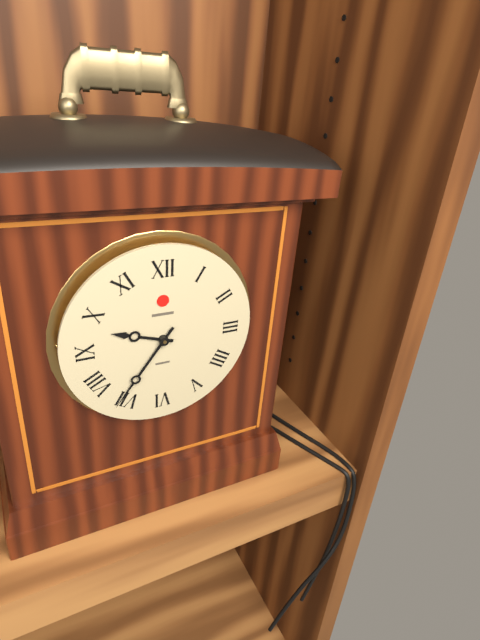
**9:36**
